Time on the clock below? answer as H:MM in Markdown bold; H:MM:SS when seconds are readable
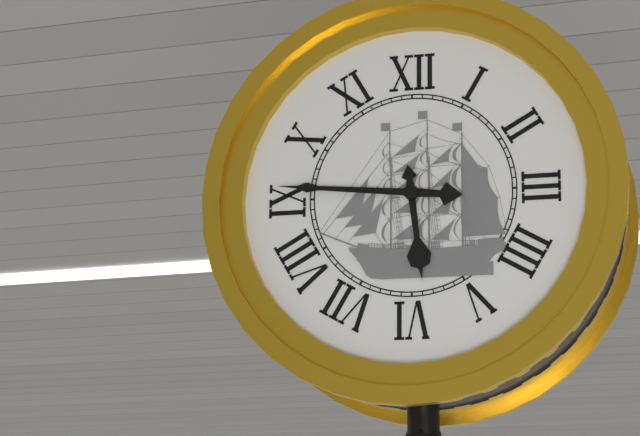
**5:46**
